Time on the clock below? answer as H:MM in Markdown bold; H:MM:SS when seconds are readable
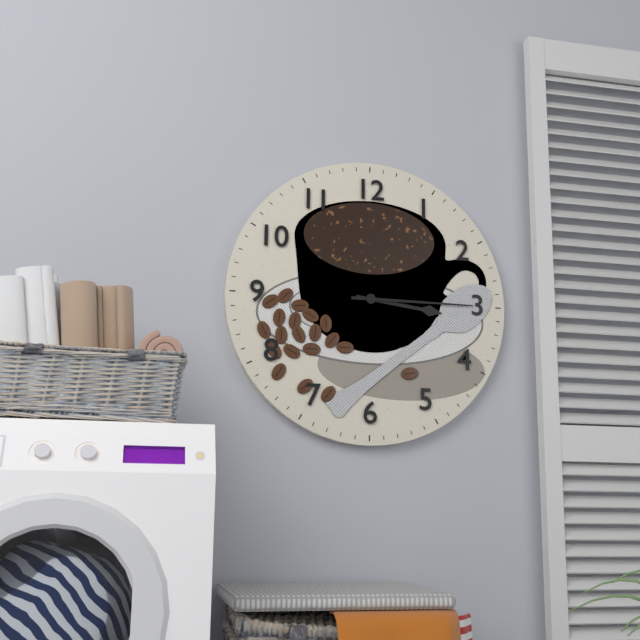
**3:15**
